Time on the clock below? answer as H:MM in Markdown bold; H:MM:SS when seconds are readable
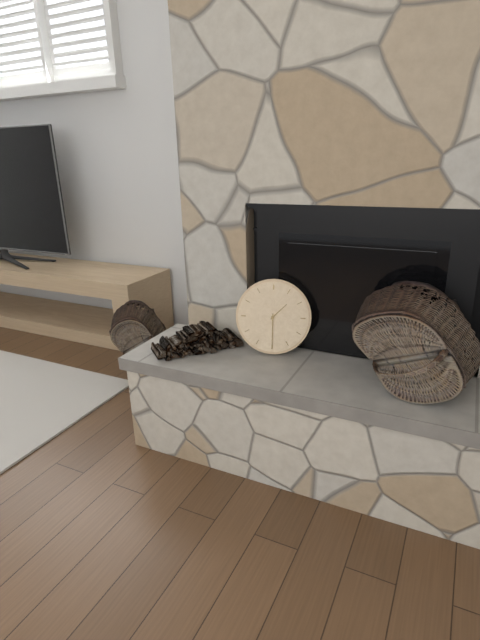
**1:30**
